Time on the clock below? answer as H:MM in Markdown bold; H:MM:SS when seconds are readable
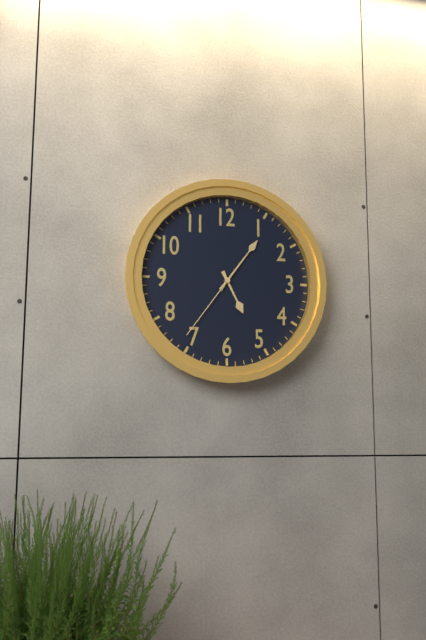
**5:06:36**
